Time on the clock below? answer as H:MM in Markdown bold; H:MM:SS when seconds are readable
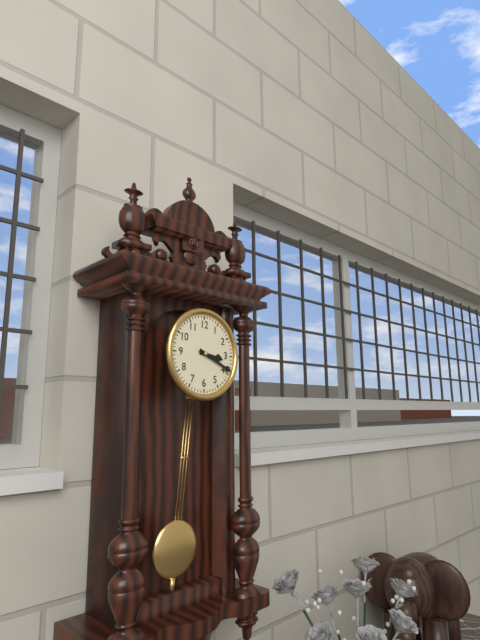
**3:19**
